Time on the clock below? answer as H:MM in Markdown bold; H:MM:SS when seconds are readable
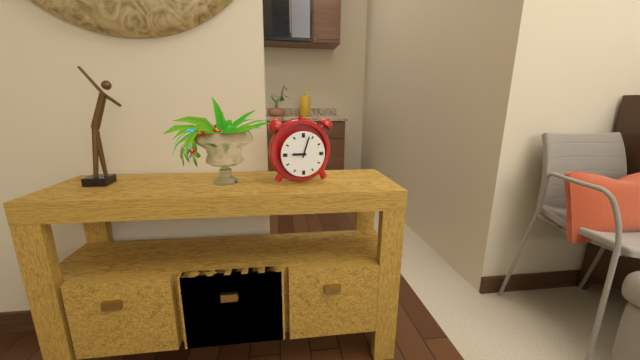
**9:03**
